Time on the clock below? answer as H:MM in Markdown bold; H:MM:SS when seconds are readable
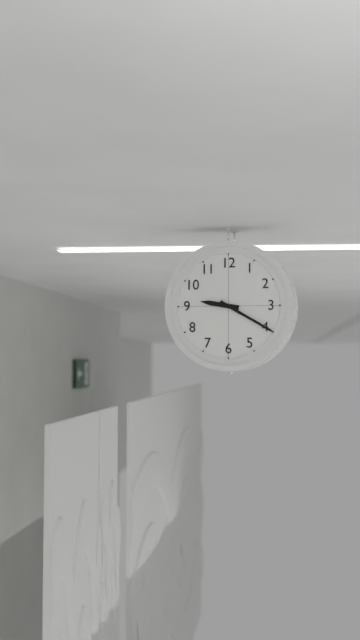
**9:20**
